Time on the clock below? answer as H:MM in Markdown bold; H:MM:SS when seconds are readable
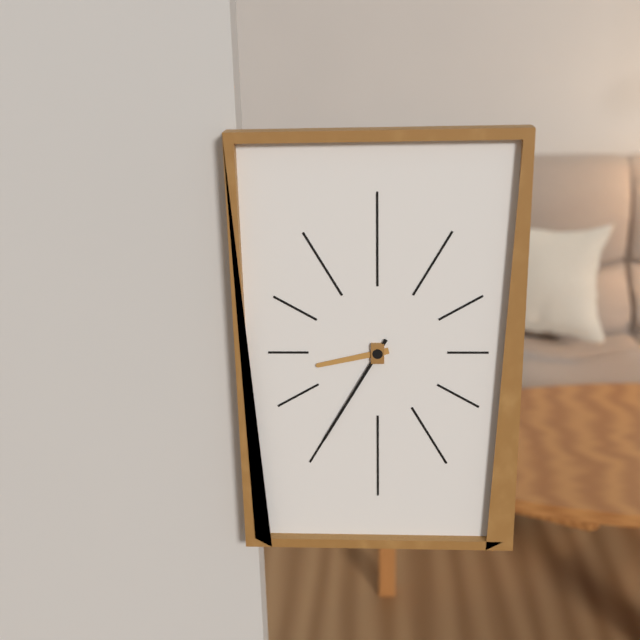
**8:35**
